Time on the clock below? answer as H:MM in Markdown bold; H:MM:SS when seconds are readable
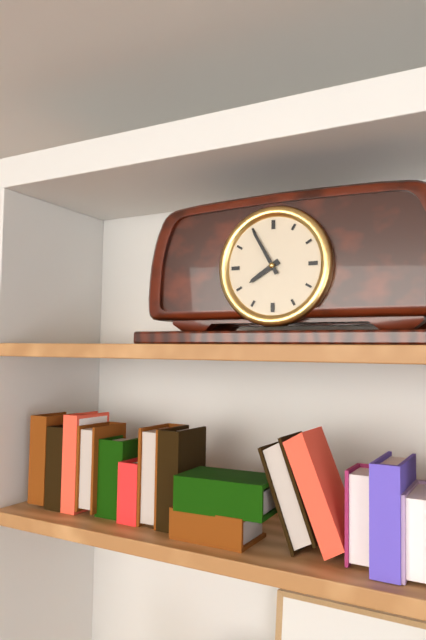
**7:55**
